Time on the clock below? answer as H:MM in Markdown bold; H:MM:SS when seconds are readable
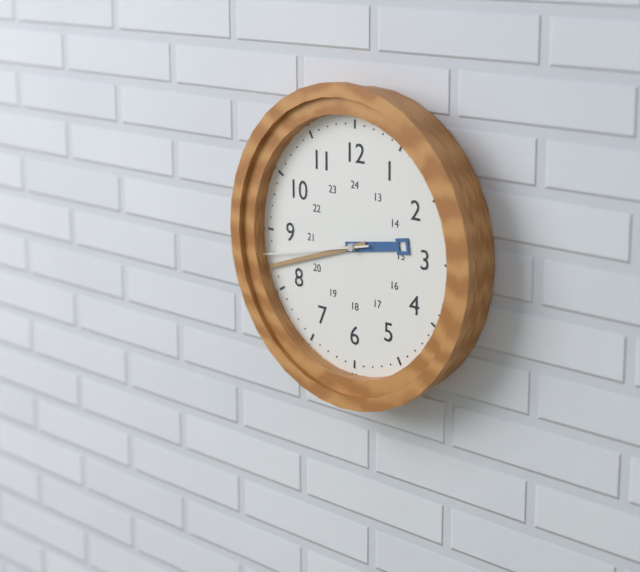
**2:42:43**
